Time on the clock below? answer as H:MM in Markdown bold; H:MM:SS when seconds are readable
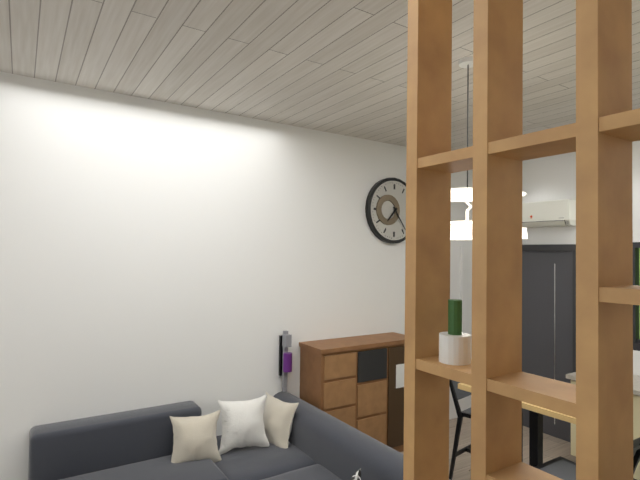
**7:24**
